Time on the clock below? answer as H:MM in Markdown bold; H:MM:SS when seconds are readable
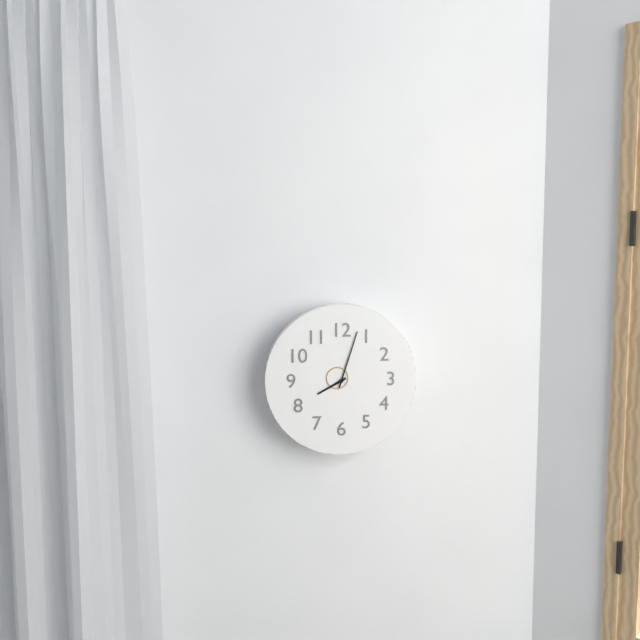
**8:03**
